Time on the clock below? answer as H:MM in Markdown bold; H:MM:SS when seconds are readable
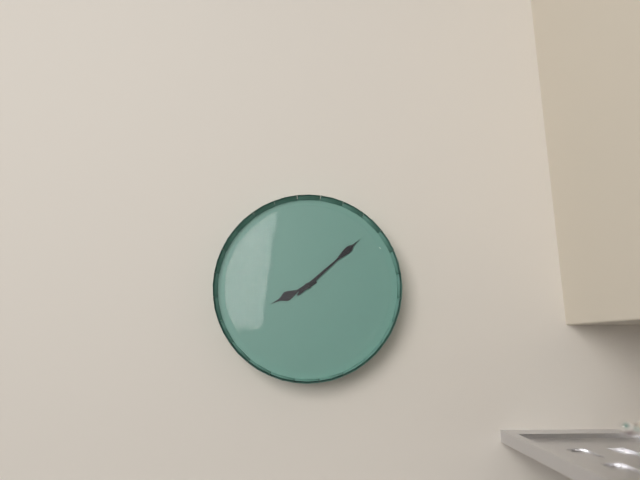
**8:08**
